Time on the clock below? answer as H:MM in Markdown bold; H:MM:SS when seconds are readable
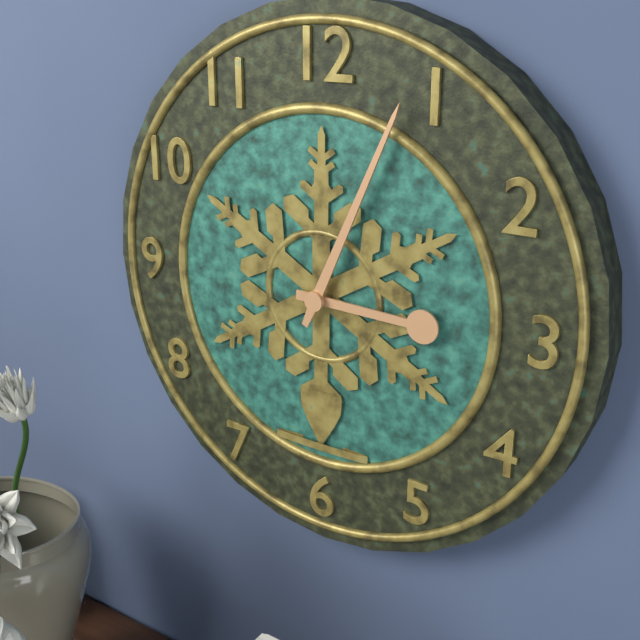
**3:04**
